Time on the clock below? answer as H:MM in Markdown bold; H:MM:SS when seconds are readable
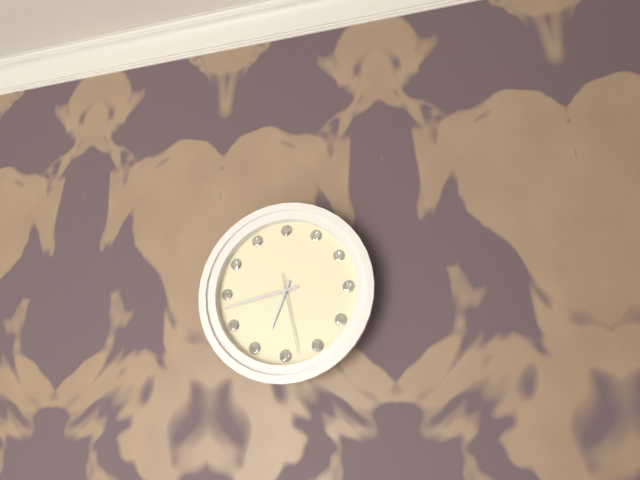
**6:43:28**
